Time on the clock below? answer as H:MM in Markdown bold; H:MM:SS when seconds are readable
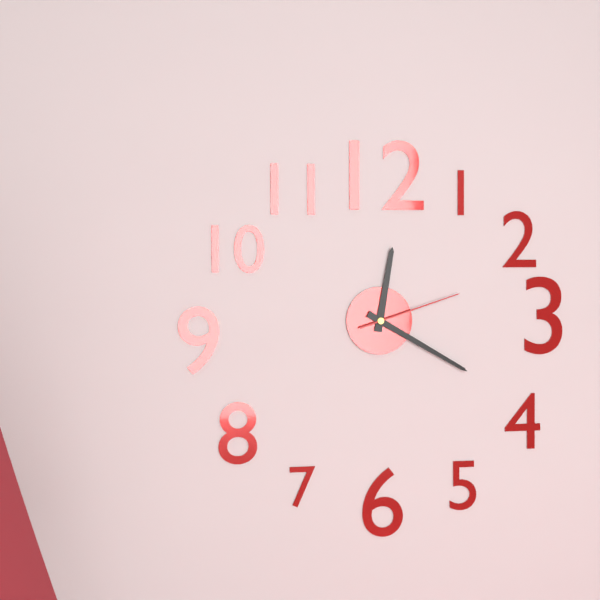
**12:20:12**
